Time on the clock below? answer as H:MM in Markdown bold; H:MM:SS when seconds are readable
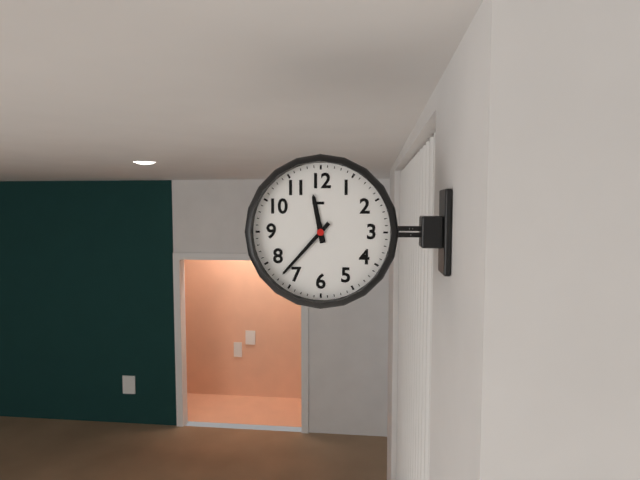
**11:37**
